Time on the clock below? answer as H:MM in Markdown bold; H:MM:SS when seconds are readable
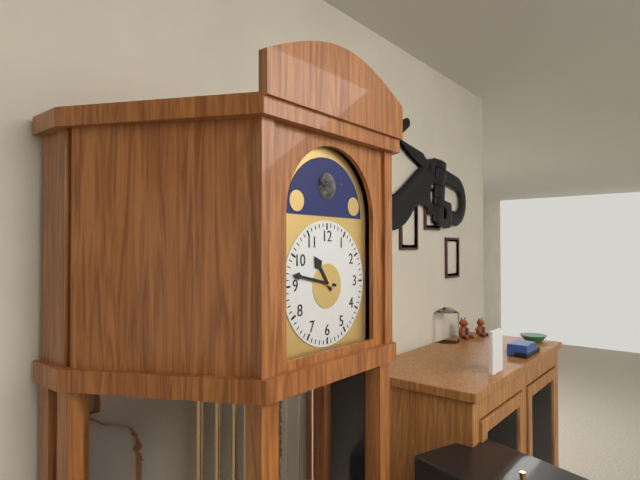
**10:47**
